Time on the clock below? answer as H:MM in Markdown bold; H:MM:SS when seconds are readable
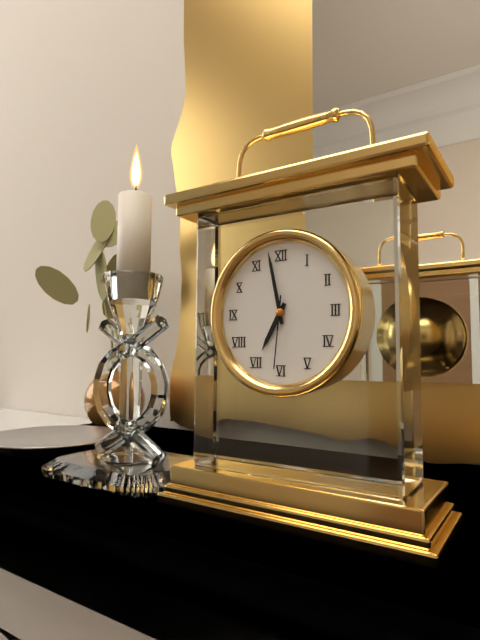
**6:58:31**
